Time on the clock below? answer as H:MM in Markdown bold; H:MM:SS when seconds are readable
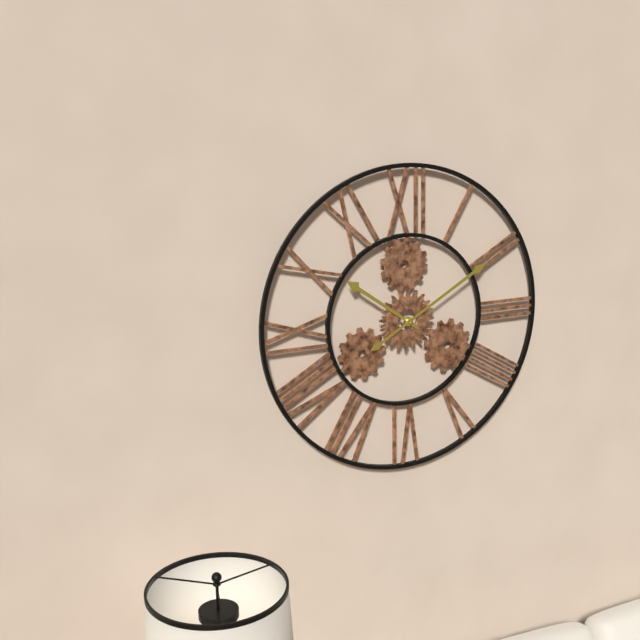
**10:10**
